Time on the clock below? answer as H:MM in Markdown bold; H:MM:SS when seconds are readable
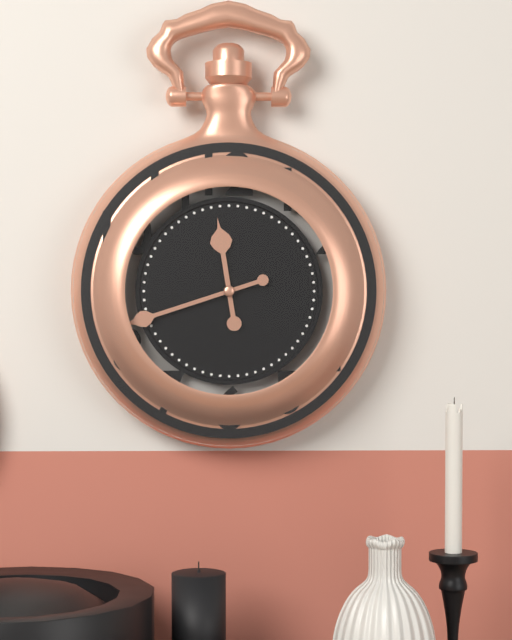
**11:42**
